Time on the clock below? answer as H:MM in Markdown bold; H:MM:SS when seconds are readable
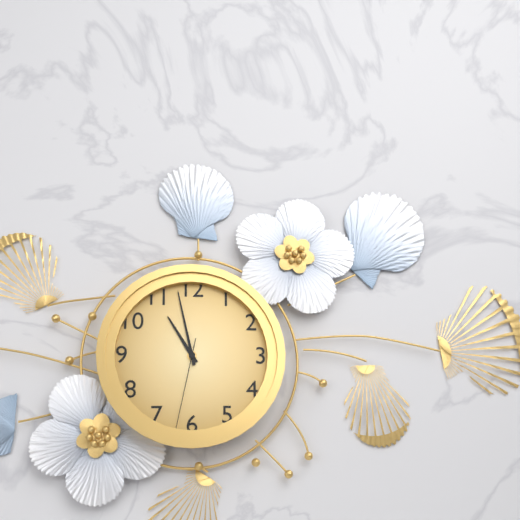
**10:58:32**
